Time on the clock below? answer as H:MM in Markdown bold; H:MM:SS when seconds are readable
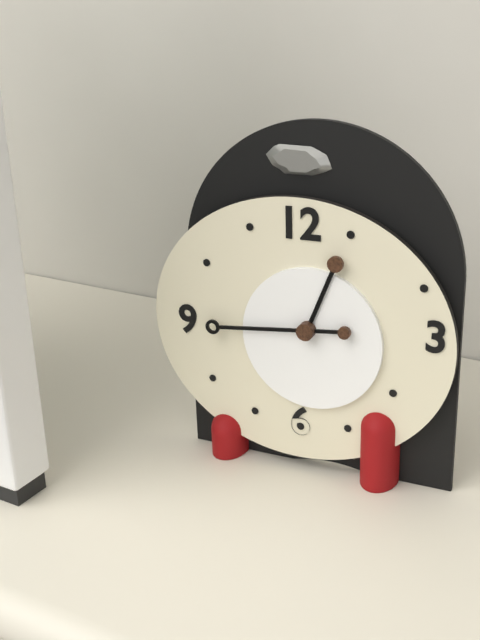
**12:44**
